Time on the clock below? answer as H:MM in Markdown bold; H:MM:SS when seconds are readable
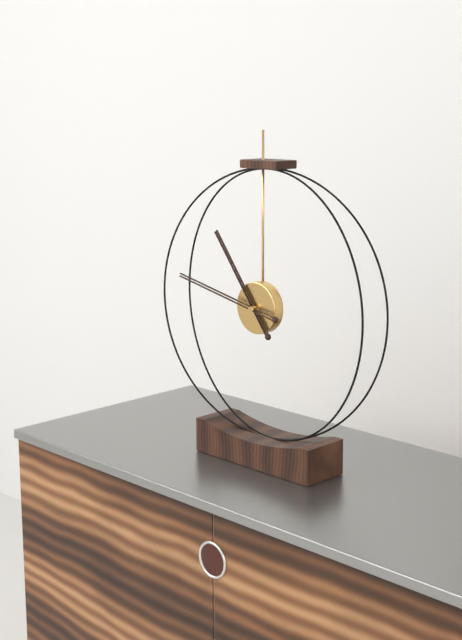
**10:47**
